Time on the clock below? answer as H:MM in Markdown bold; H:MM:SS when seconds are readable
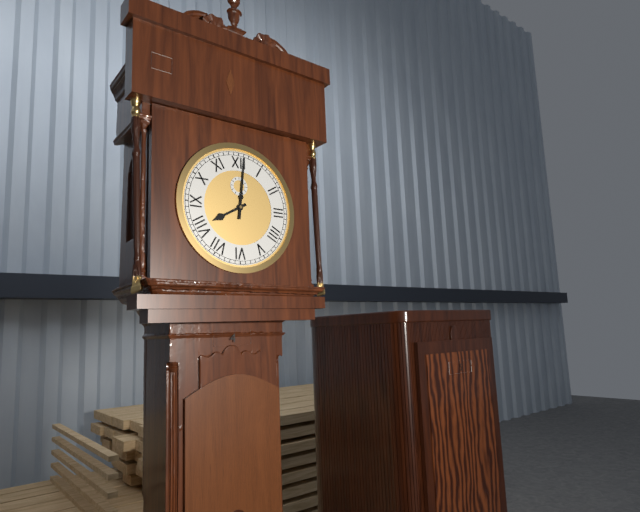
**8:01**
